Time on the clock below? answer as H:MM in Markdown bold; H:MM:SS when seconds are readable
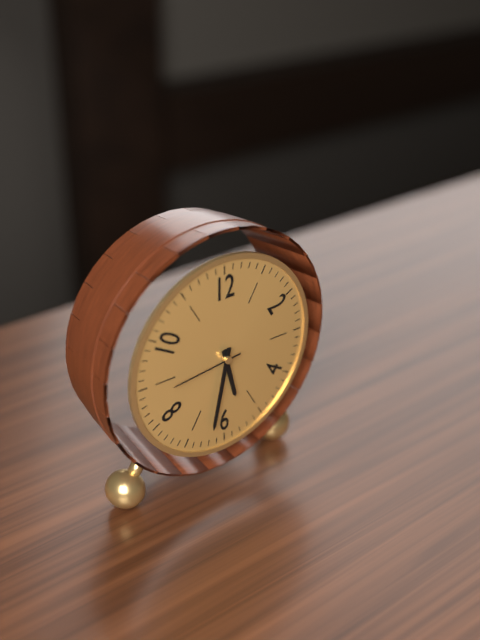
**5:32:44**
